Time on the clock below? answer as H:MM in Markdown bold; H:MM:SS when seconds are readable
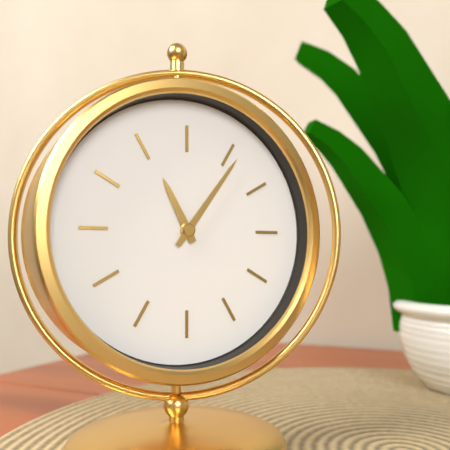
**11:06**
